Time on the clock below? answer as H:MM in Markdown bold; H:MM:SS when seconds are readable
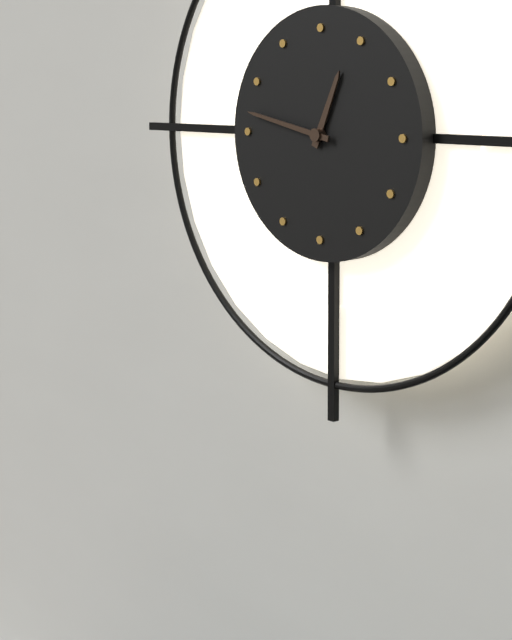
**12:47**
